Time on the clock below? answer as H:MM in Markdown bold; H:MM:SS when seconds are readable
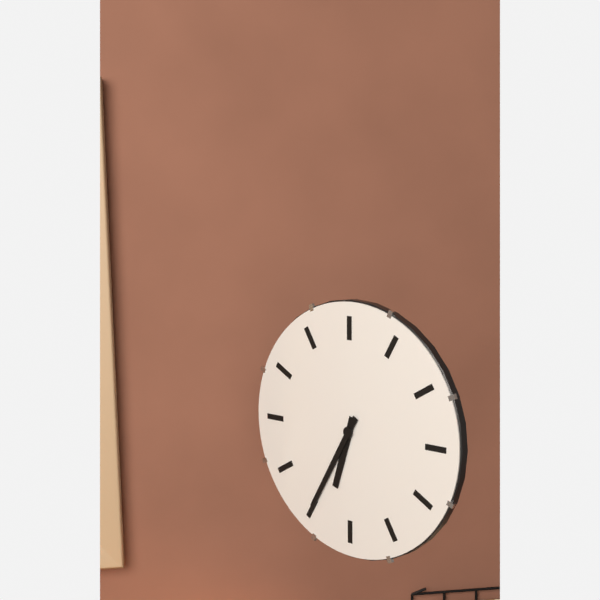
**6:35**
